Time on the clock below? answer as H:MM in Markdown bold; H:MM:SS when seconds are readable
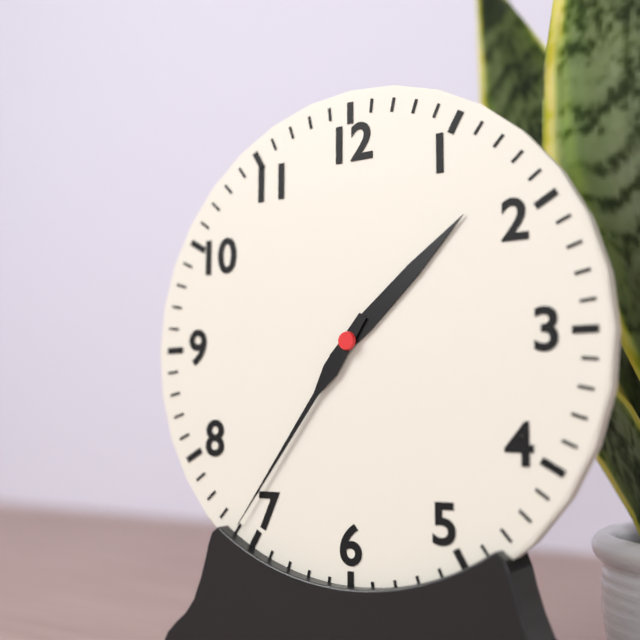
**1:36**
